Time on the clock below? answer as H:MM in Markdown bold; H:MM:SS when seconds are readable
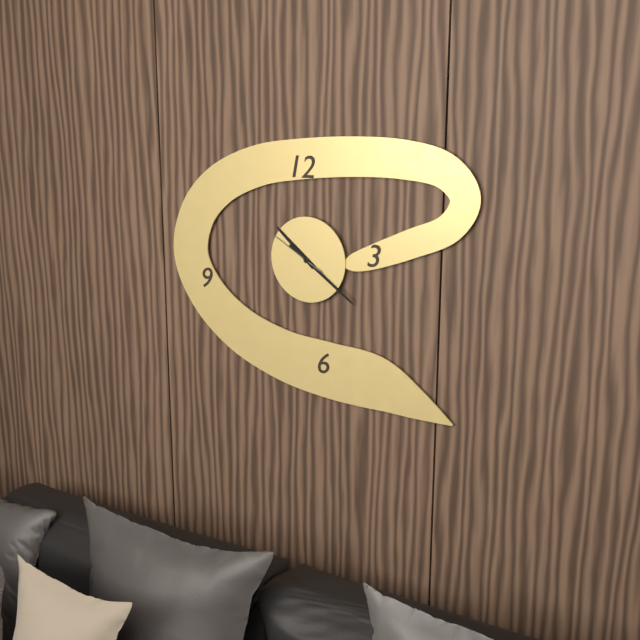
**10:21:50**
